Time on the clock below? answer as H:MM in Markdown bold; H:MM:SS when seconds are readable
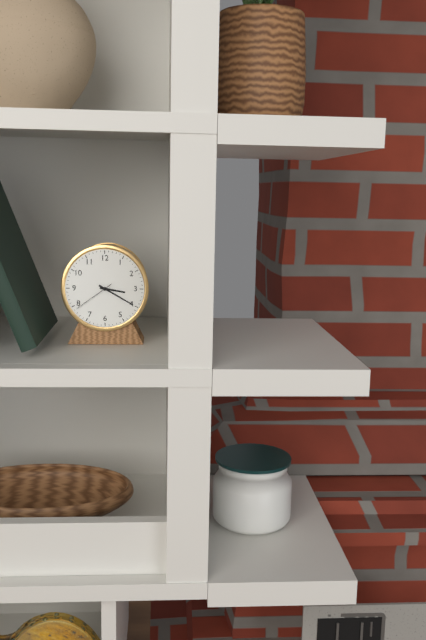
**3:20**
